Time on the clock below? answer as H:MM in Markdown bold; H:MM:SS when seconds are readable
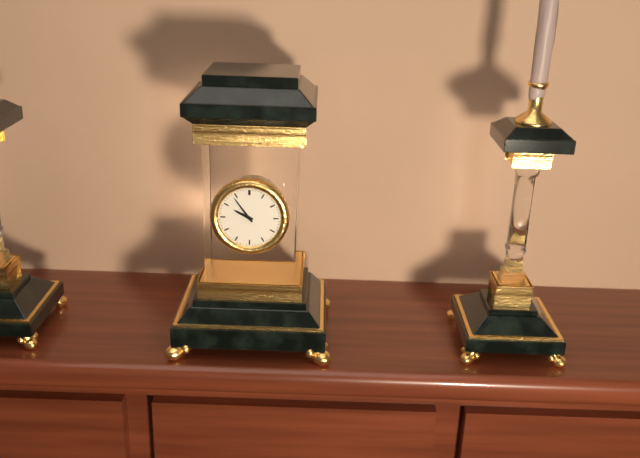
**9:54**
